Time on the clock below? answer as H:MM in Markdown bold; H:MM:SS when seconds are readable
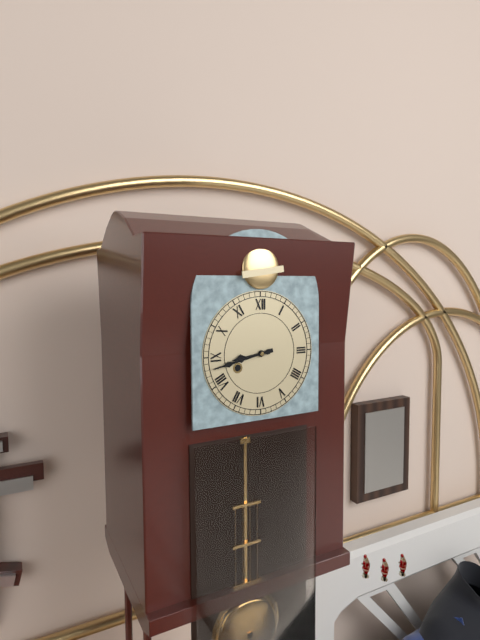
**8:43**
